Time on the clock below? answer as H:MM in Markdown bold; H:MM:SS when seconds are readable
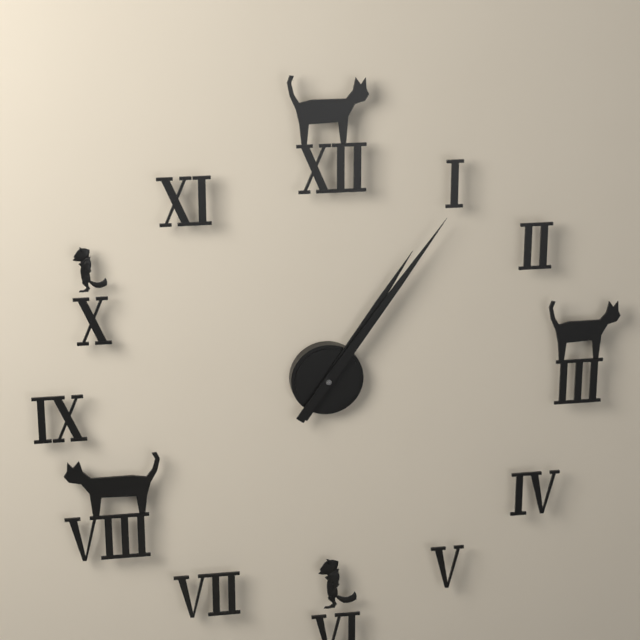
**1:06**
